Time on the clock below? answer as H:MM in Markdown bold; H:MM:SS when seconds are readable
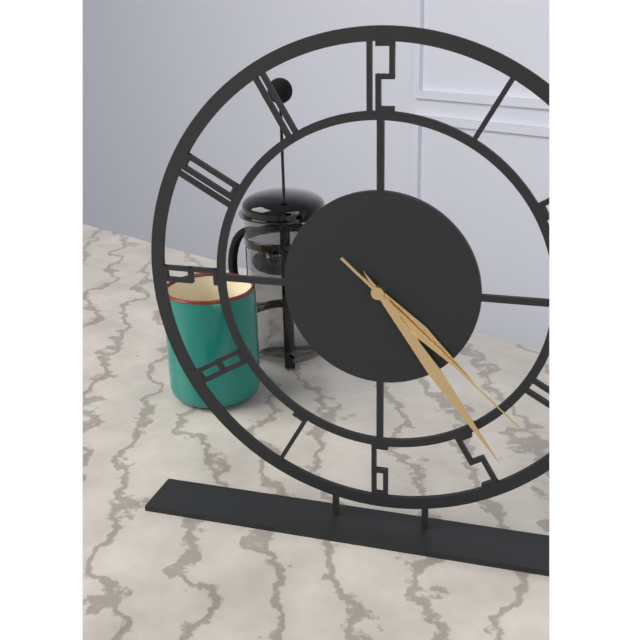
**4:24:22**
